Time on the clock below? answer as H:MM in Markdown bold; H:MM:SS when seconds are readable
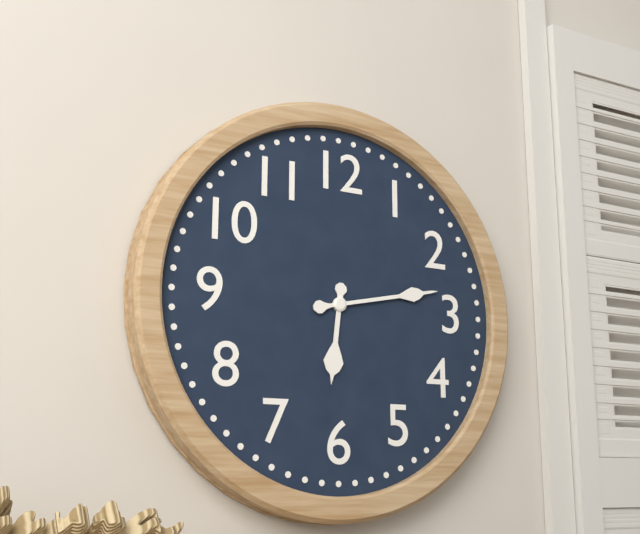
**6:13**
